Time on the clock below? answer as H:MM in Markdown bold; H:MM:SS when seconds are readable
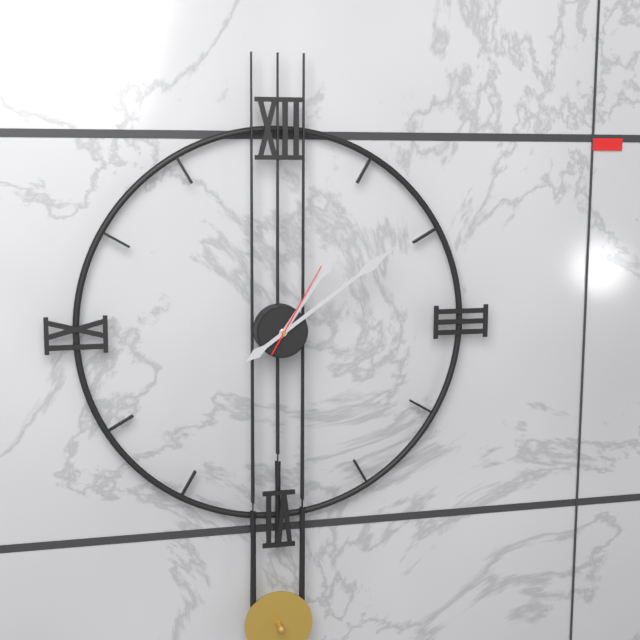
**1:09:05**
